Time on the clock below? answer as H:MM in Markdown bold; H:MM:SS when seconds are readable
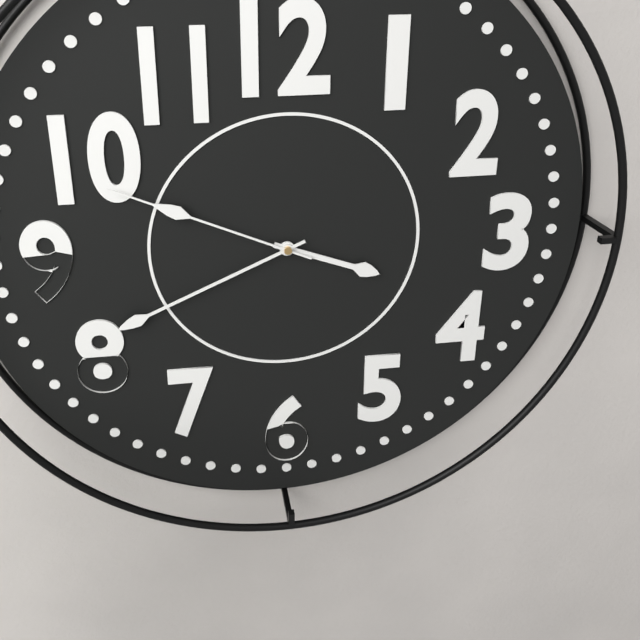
**3:41:49**
